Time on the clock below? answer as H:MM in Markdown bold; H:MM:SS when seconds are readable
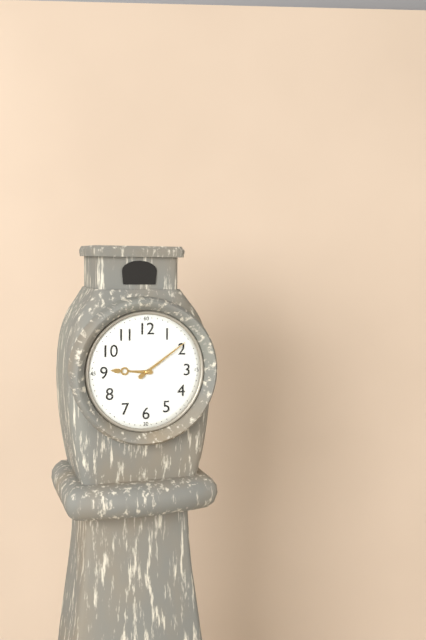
**9:09**
